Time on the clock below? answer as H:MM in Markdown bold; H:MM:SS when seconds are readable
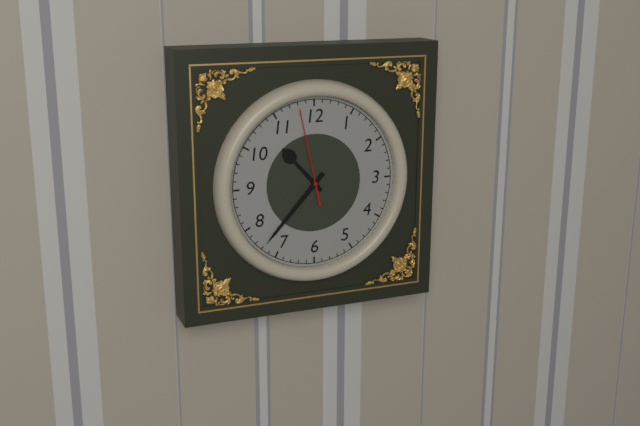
**10:37:58**
